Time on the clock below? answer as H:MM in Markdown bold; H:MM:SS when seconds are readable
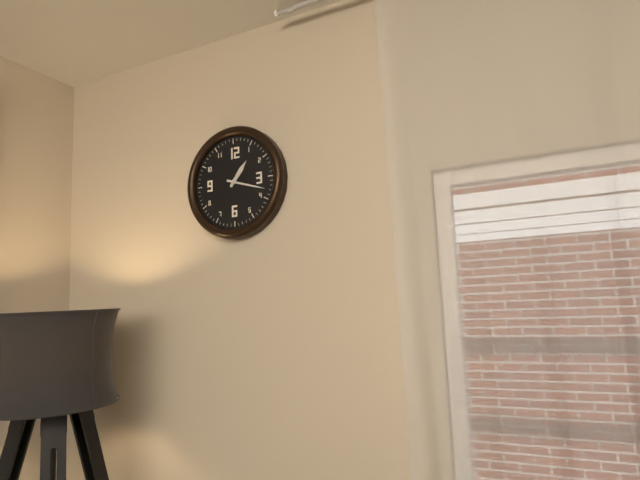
**1:18**
